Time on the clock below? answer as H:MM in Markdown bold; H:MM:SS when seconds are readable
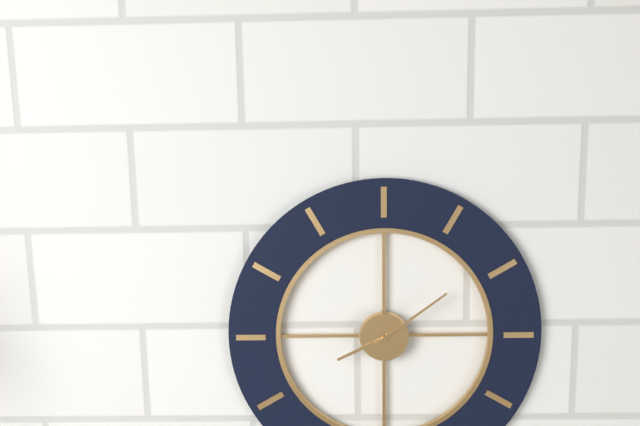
**8:09**
